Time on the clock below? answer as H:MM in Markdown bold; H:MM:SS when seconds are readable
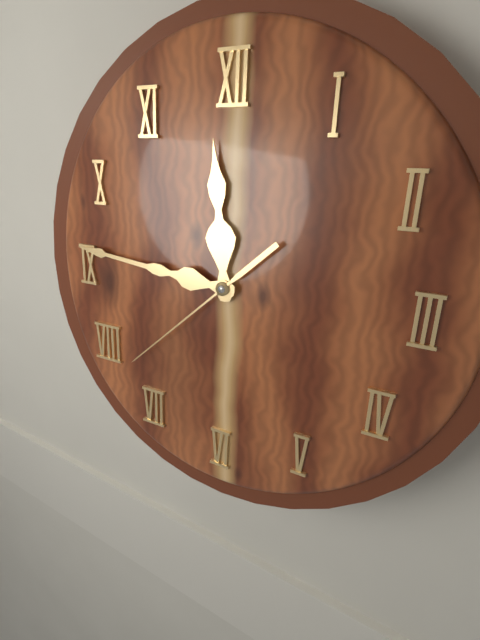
**11:46:38**
